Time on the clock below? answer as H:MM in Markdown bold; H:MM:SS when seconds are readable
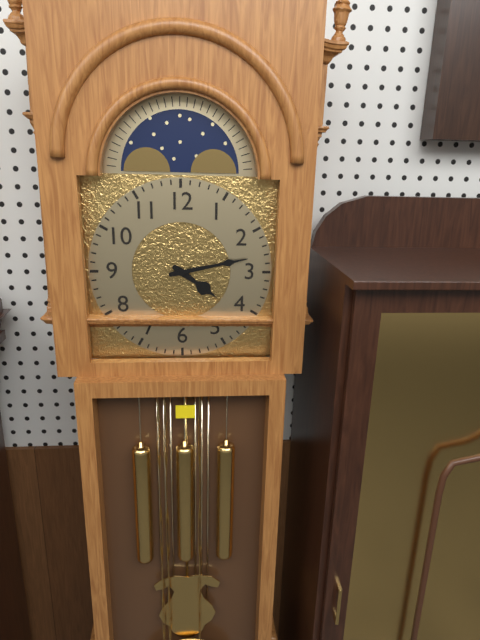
**4:13**
